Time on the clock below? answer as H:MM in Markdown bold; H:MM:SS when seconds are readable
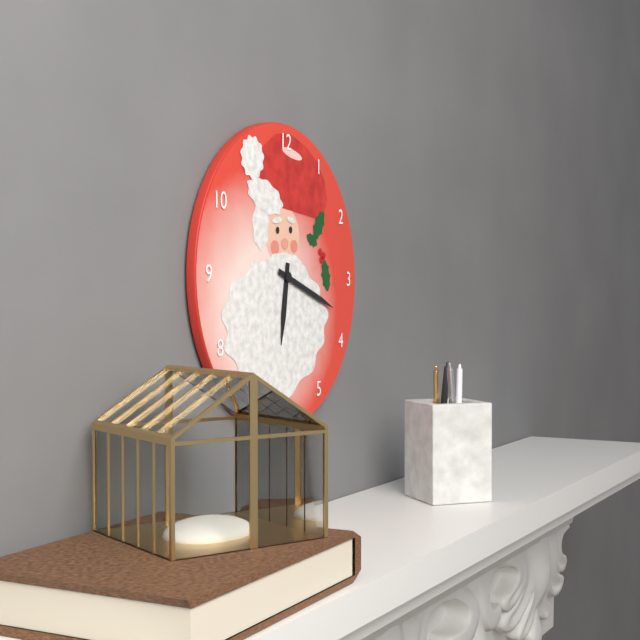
**6:18**
